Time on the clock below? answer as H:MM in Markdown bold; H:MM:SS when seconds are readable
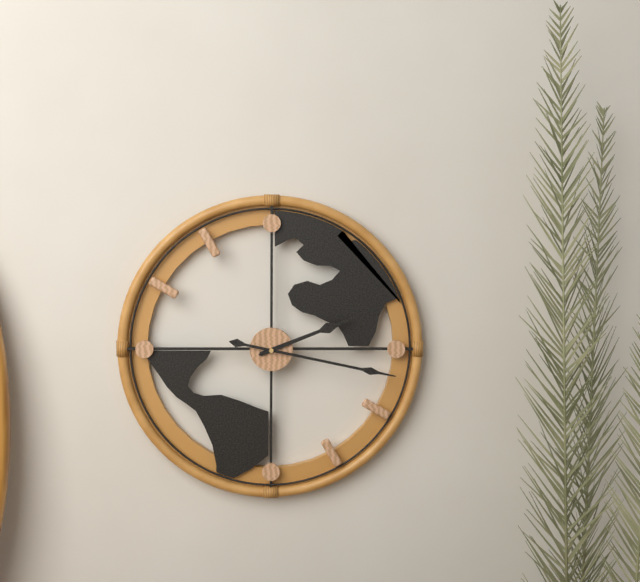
**2:17**
